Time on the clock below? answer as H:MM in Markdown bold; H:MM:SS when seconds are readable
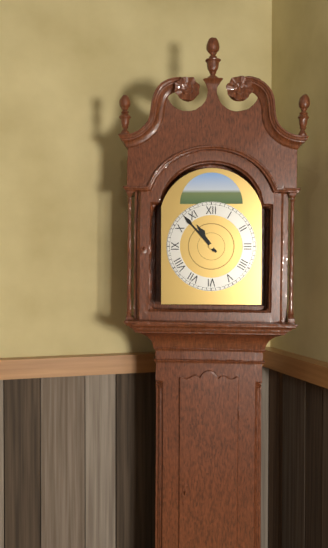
**10:53**
